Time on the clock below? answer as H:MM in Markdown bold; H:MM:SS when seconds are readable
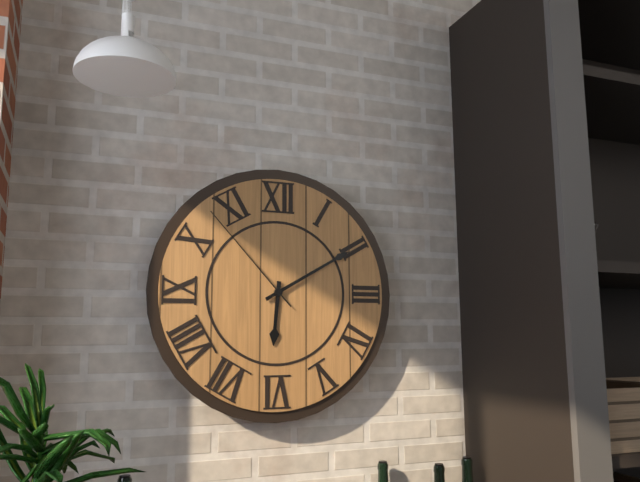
**6:10:53**
